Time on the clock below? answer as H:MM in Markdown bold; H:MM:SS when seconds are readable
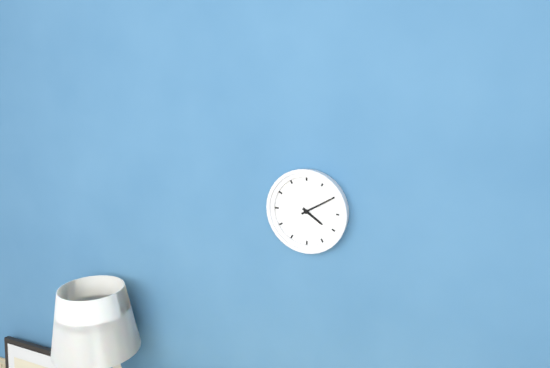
**4:10**
